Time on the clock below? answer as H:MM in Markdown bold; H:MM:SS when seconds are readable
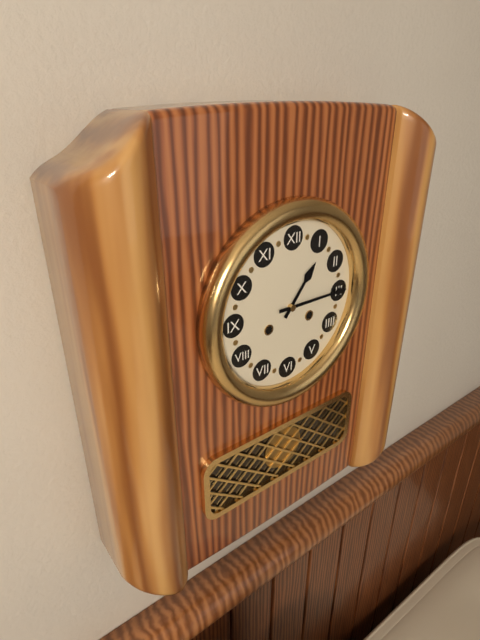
**1:15**
